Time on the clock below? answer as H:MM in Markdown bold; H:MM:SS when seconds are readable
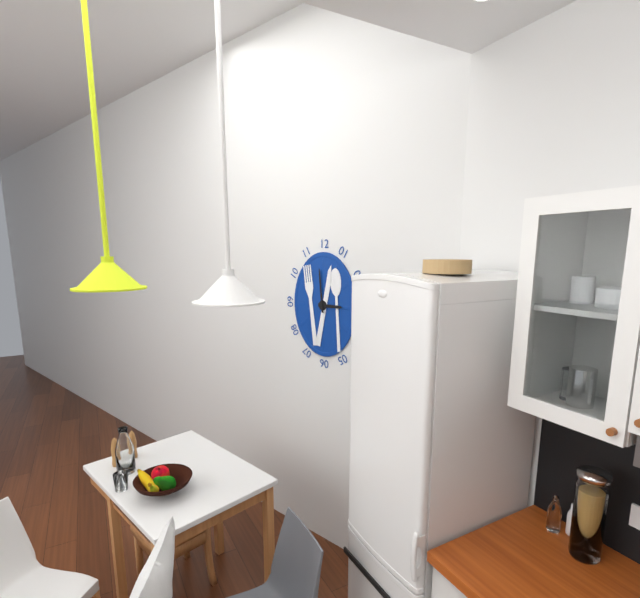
**2:59**
